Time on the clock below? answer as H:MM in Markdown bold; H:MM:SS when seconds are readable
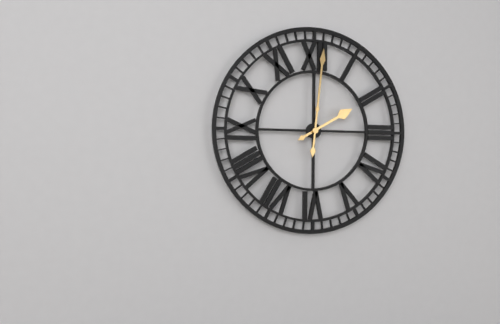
**2:01**
